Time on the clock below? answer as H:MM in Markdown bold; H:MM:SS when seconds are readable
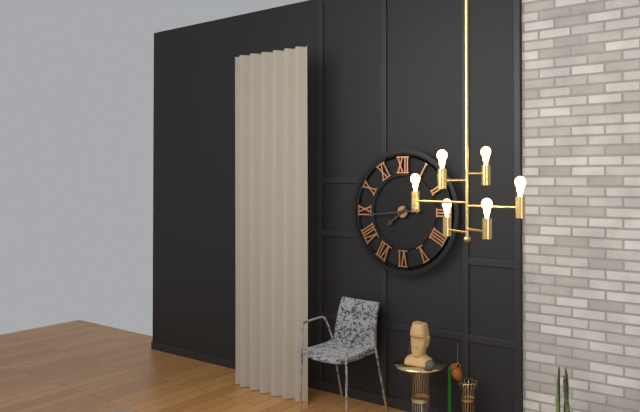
**7:44**
